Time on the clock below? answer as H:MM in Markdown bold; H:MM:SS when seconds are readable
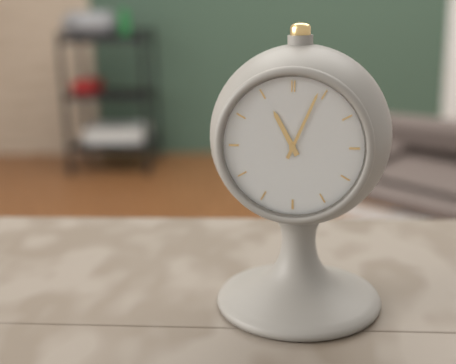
**11:04**
